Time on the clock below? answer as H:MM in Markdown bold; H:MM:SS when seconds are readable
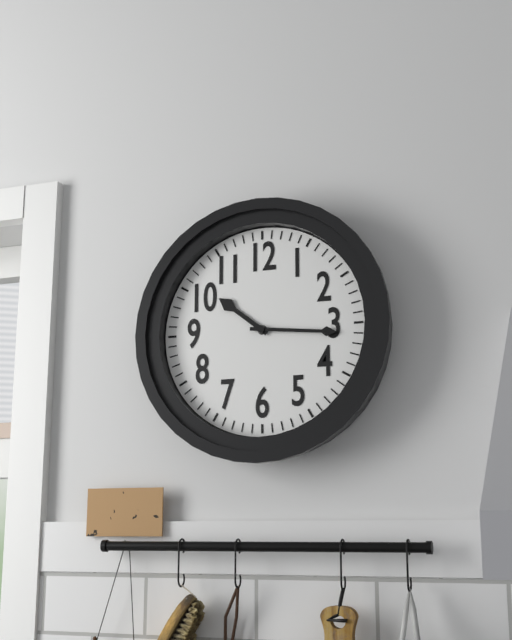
**10:16**
